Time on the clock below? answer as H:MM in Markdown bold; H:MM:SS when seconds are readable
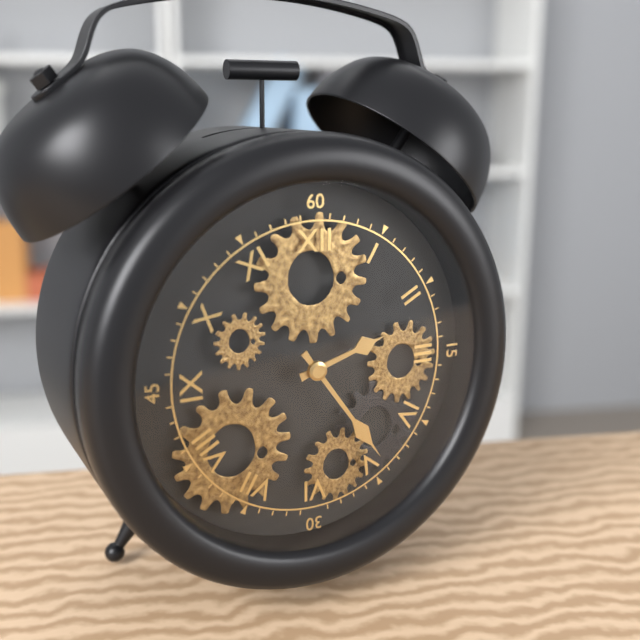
**2:24**
